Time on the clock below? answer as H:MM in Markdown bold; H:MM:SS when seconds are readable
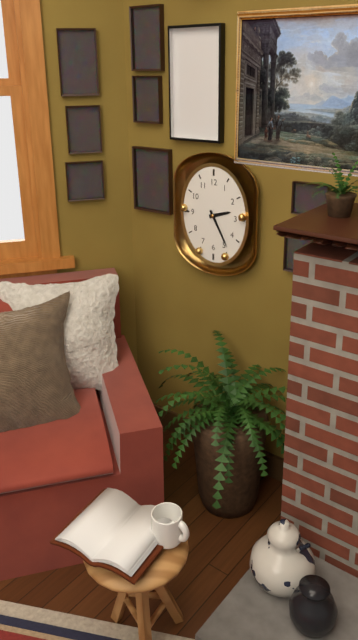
**2:25**
